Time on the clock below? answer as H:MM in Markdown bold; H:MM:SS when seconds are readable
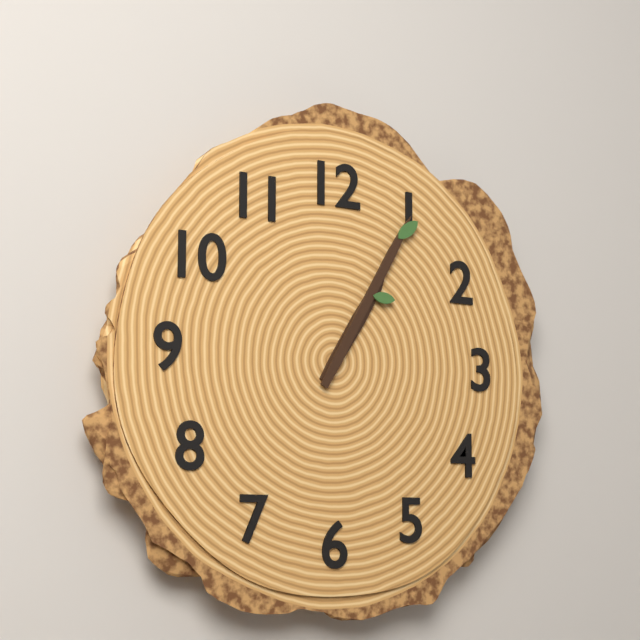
**1:05**
